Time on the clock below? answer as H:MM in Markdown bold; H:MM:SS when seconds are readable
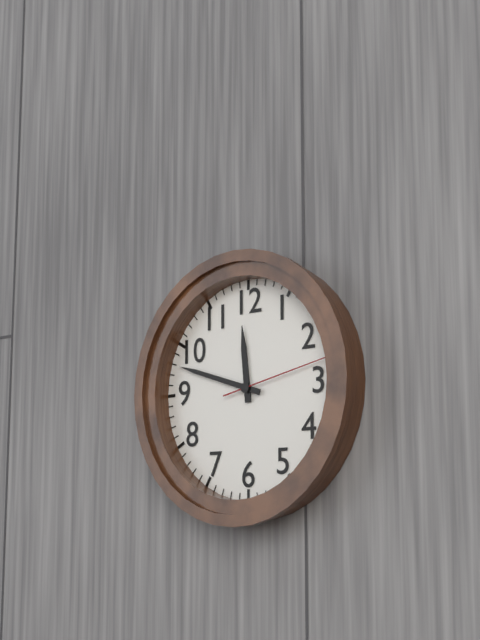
**11:48:13**
